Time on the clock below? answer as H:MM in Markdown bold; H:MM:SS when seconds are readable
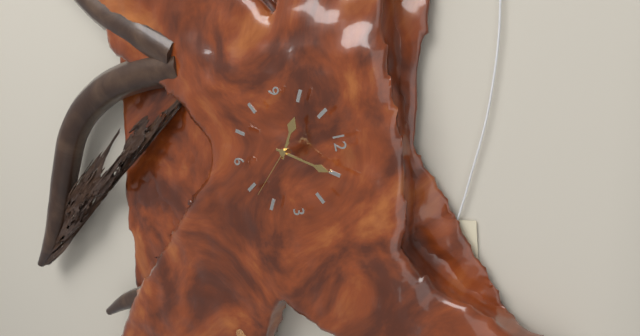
**10:05:23**
